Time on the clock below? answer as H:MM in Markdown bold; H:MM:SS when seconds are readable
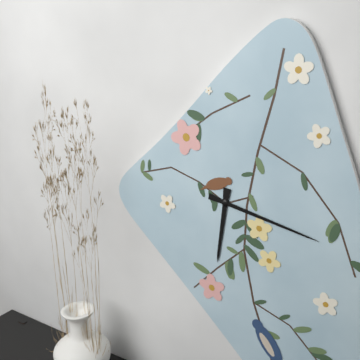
**6:17**
